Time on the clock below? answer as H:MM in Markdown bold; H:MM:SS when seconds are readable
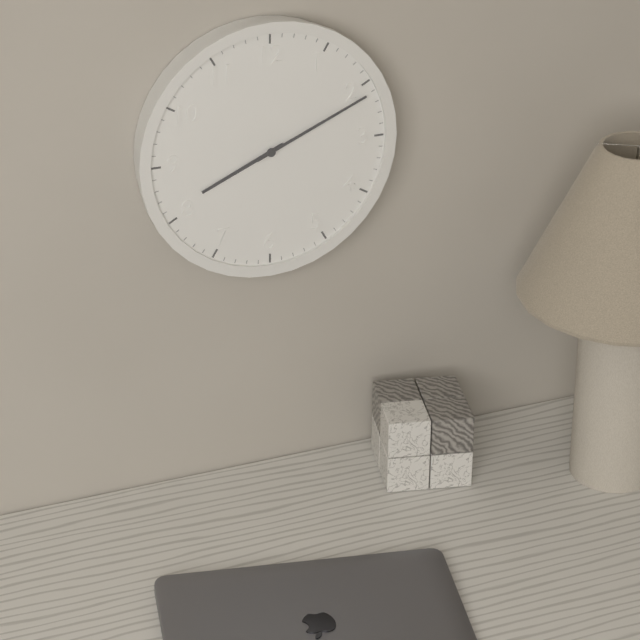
**8:11**
